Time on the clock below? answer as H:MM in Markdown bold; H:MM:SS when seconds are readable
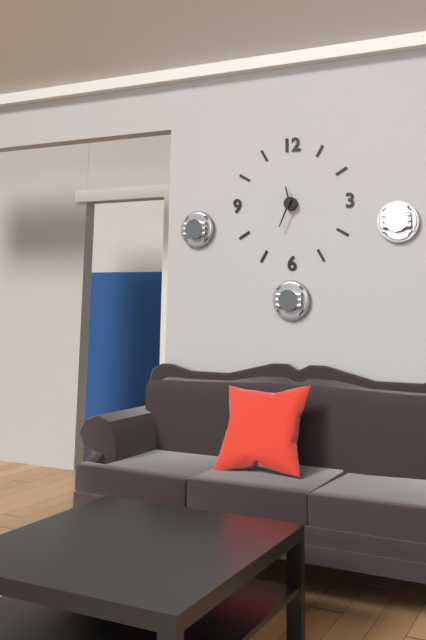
**11:34**
